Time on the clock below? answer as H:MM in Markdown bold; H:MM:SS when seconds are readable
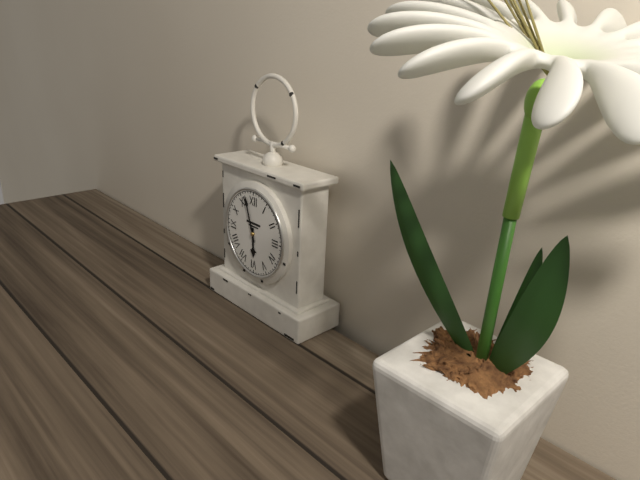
**5:57**
